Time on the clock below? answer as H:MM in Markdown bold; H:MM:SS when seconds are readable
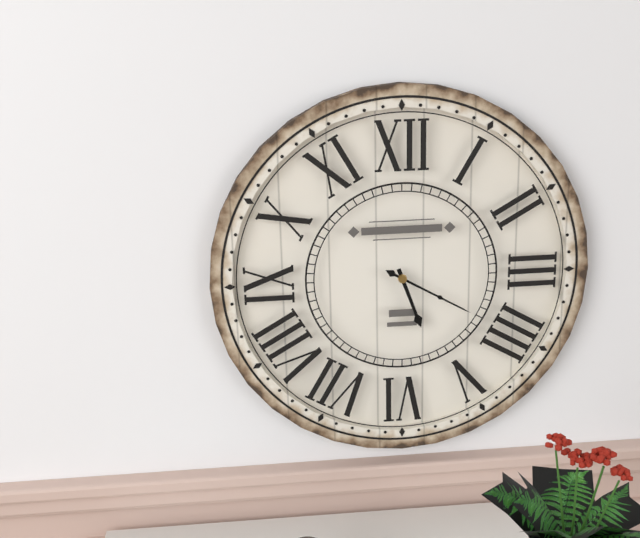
**5:20**
